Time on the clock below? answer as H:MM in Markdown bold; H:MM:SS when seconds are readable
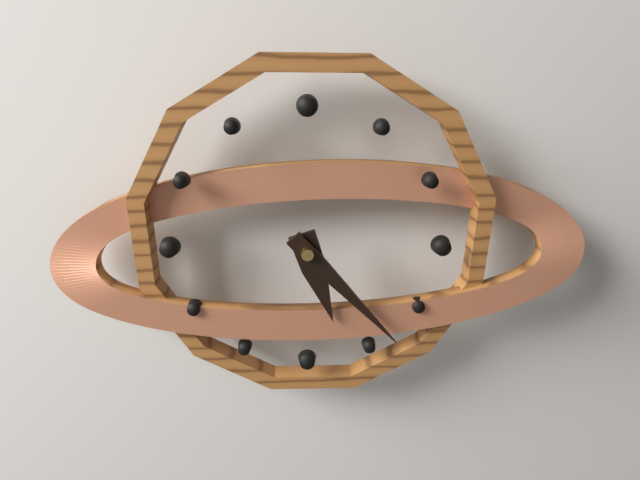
**5:23**
